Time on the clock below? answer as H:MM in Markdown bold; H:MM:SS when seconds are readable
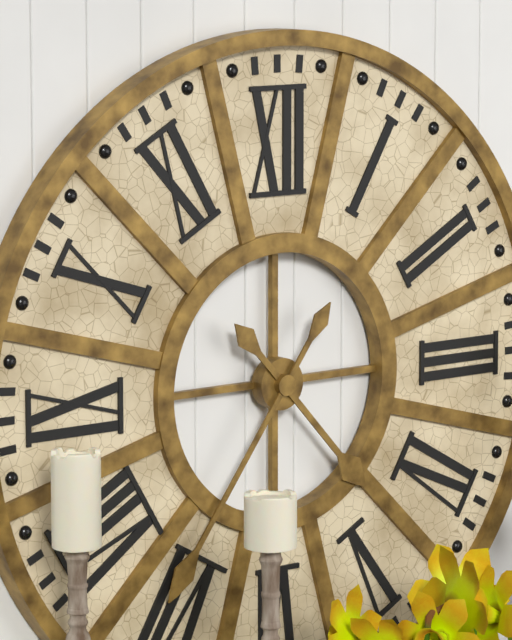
**4:36**
